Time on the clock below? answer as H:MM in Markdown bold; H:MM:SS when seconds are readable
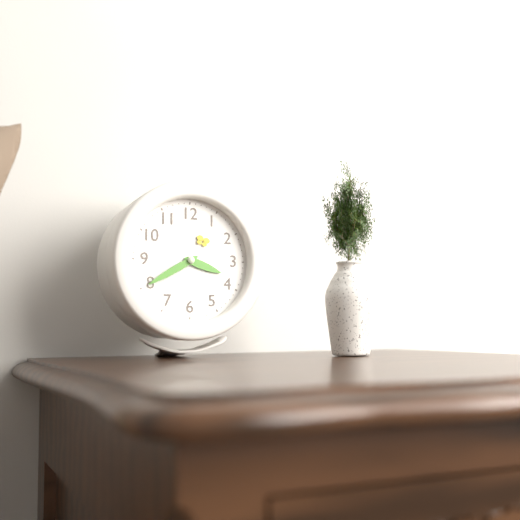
**3:40**
